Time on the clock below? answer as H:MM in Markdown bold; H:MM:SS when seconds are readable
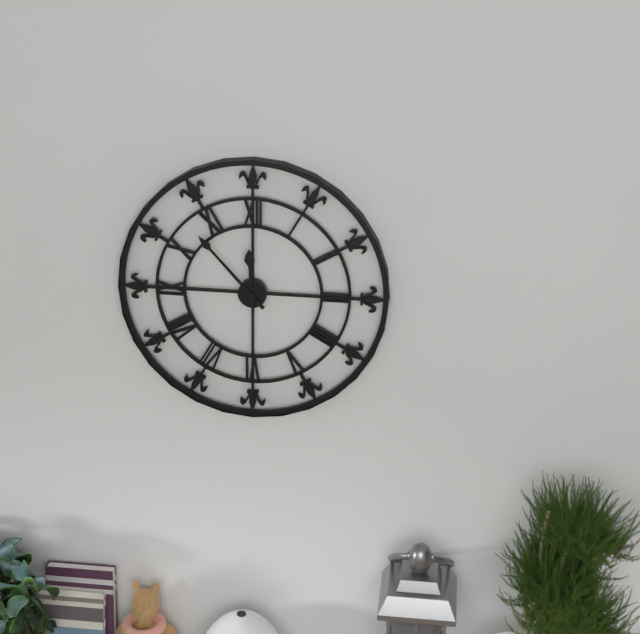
**11:53**
